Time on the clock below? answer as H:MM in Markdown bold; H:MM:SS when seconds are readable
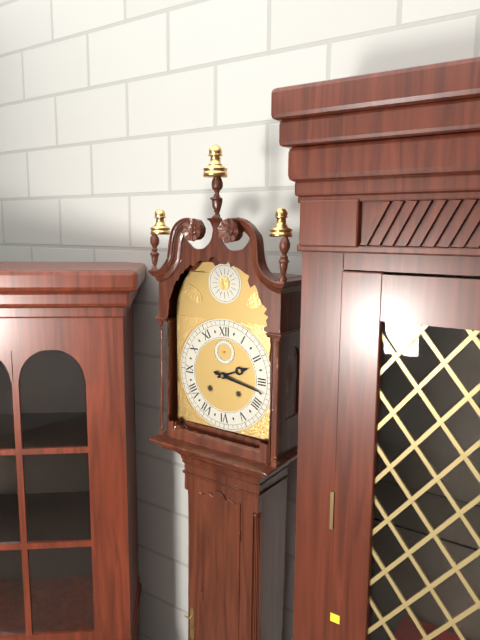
**2:17**
